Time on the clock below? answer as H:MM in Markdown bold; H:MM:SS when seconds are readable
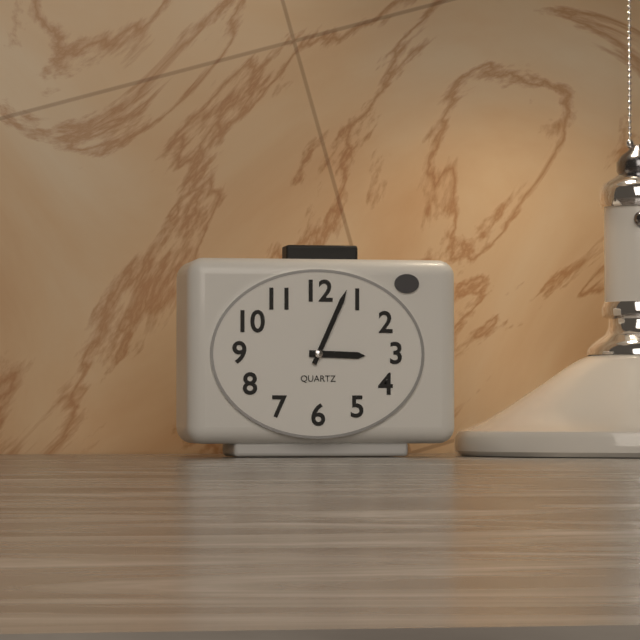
**3:04**
